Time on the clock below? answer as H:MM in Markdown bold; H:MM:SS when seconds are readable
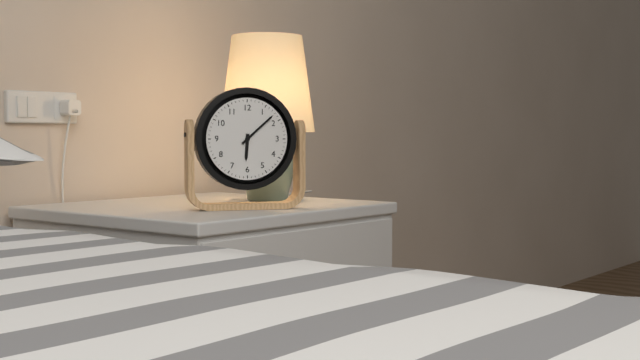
**6:08**
